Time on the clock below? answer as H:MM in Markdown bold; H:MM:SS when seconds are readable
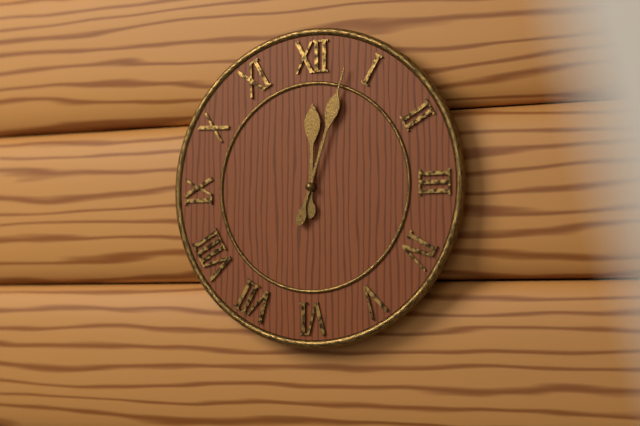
**12:03**
